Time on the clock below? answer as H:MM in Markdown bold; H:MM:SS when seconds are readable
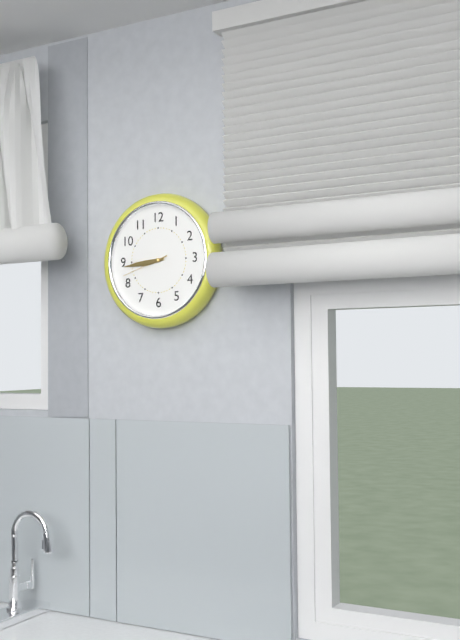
**8:44**
